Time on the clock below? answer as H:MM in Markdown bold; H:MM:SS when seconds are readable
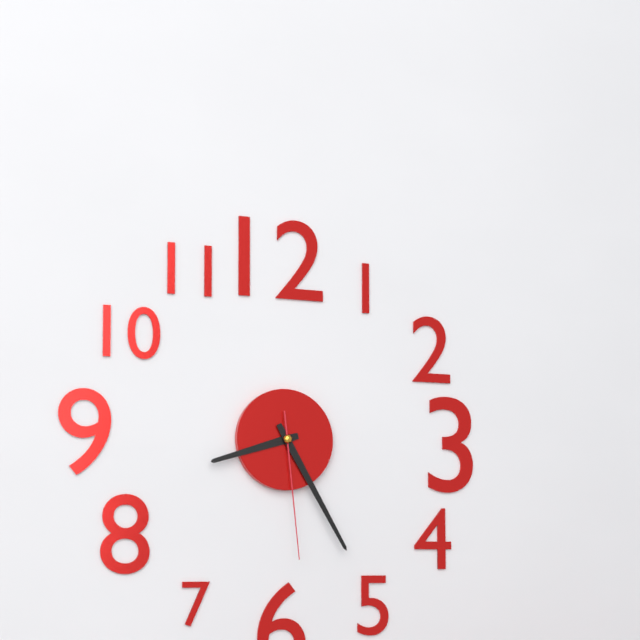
**8:25:29**
